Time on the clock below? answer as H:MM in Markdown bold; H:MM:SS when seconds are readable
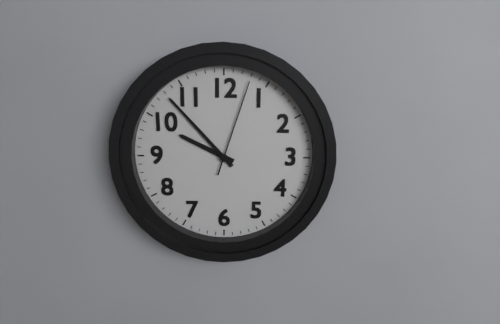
**9:53:03**
